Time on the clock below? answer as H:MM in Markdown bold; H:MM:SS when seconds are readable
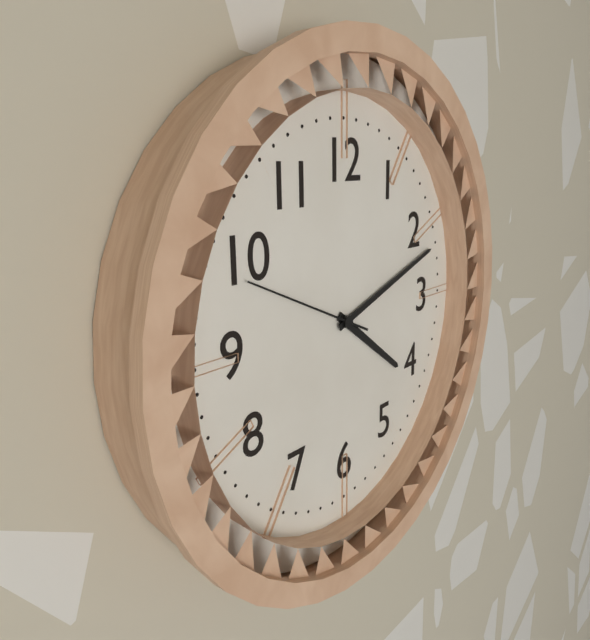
**4:12:49**
